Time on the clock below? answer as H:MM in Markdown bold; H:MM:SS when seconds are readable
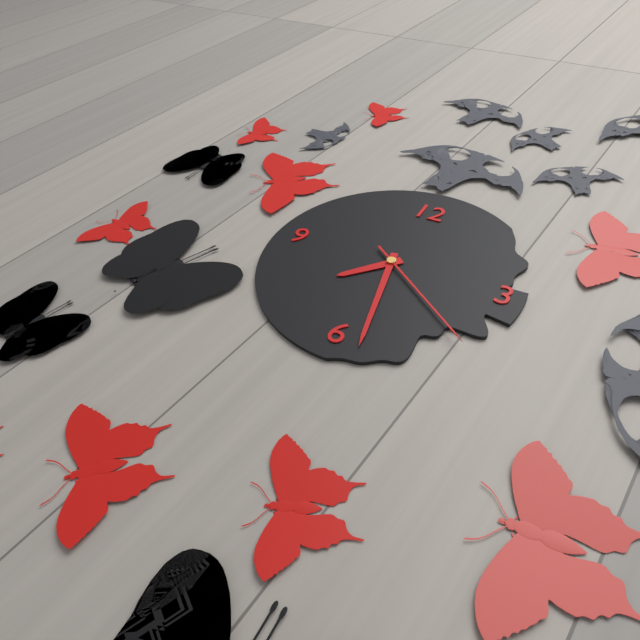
**7:28:21**
